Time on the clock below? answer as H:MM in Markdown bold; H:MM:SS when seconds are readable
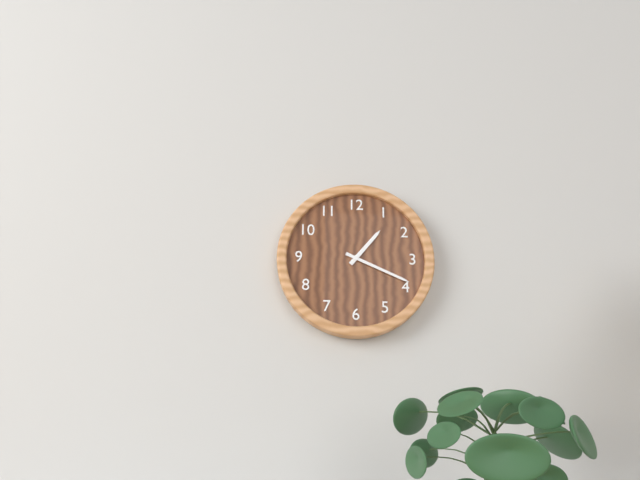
**1:19**
